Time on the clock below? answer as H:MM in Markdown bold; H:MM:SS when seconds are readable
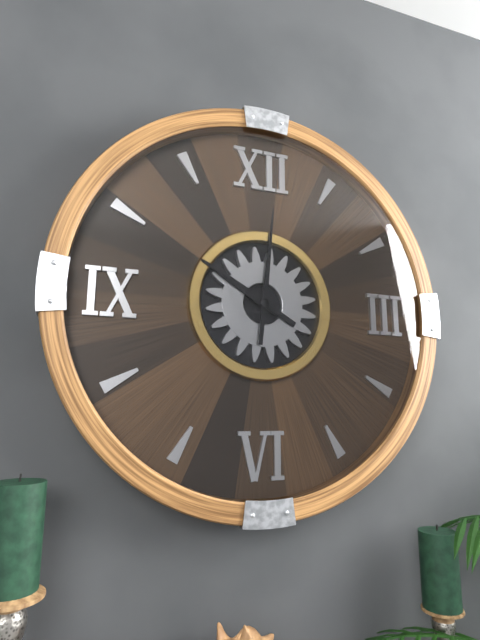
**10:01**
